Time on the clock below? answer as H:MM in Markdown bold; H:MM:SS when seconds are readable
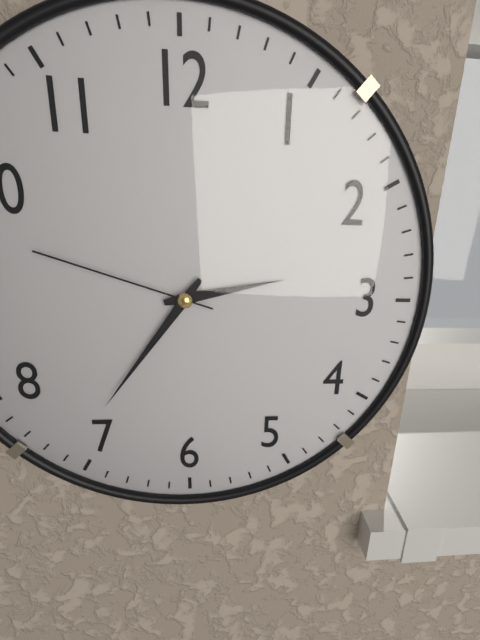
**2:36:48**
